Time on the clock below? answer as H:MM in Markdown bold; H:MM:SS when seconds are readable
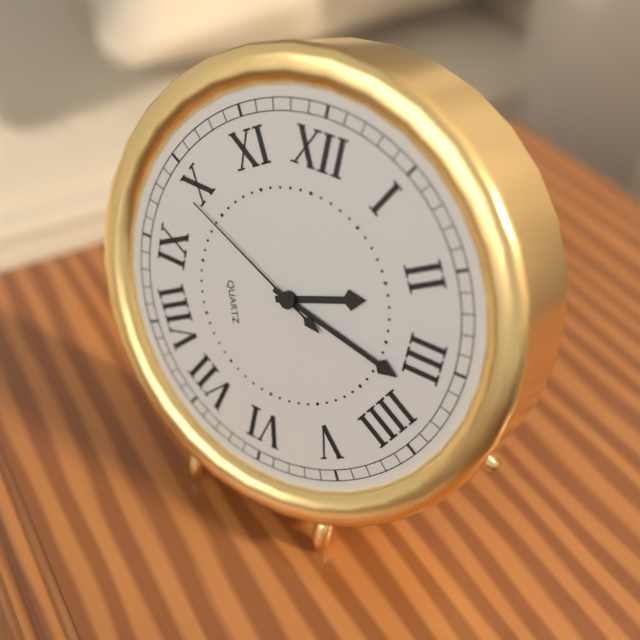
**2:17:49**
